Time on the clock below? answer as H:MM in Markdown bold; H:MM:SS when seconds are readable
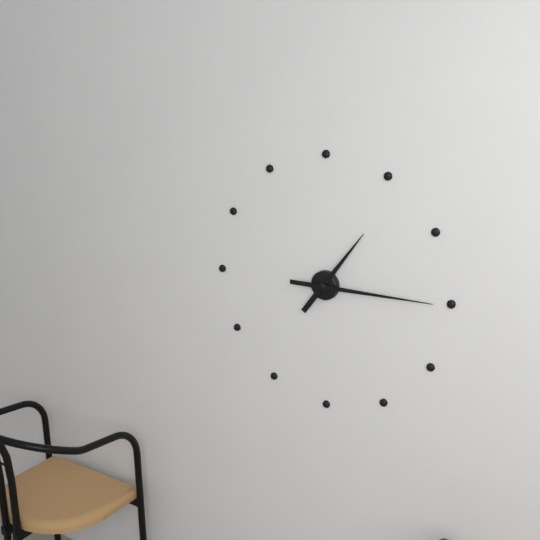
**1:15**
